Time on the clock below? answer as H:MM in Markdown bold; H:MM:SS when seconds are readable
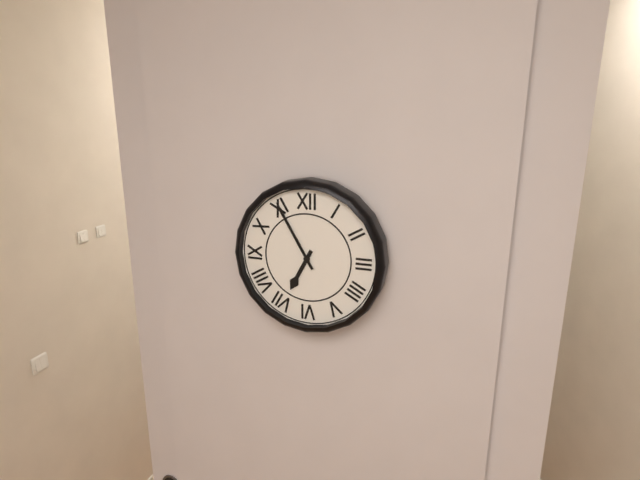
**6:55**
